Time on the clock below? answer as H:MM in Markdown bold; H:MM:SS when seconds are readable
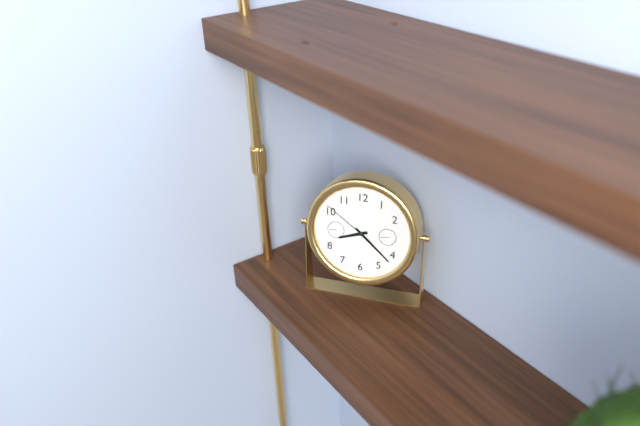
**8:22:51**
